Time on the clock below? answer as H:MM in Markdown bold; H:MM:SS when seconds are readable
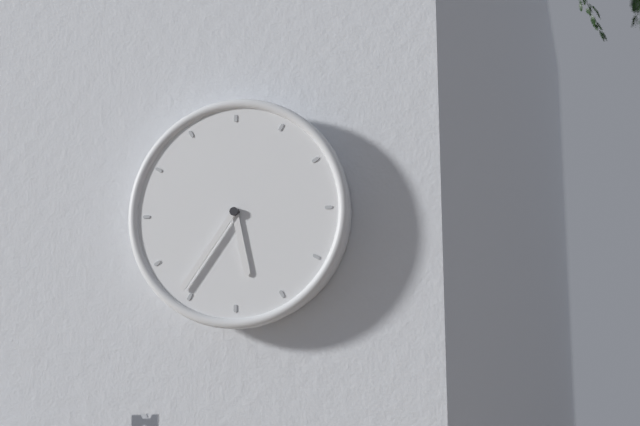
**5:36**
